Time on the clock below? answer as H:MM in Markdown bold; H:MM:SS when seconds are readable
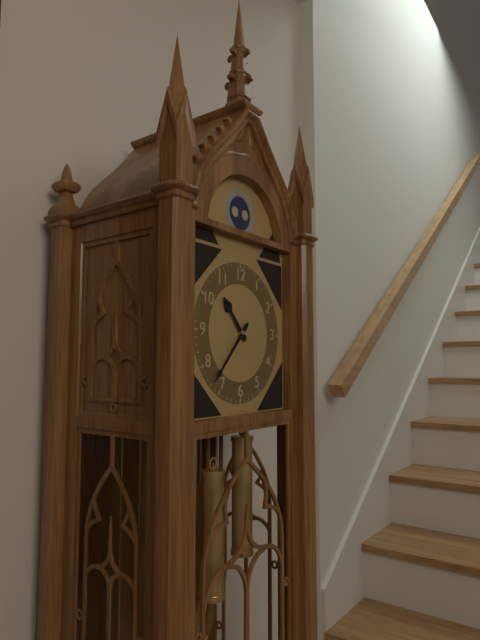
**10:37**
